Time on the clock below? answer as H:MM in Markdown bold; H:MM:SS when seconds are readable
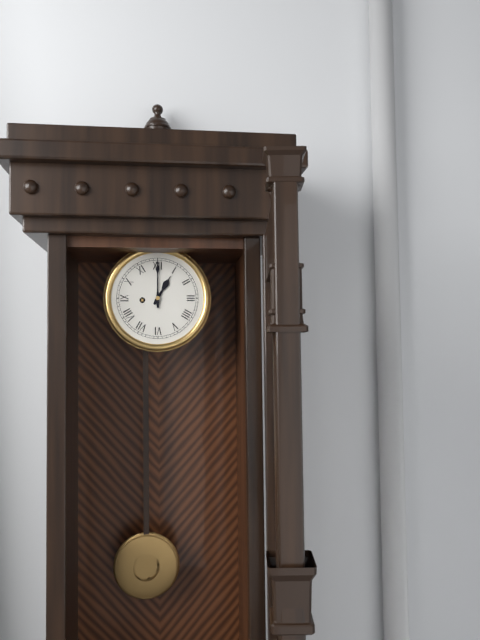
**1:00**
